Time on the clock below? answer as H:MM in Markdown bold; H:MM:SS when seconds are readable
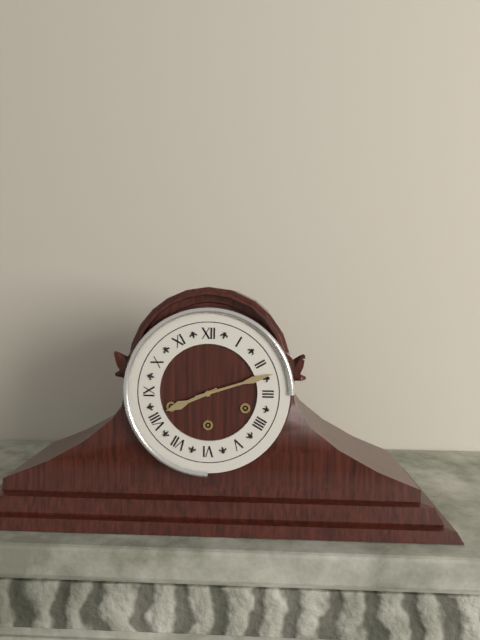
**8:12**
